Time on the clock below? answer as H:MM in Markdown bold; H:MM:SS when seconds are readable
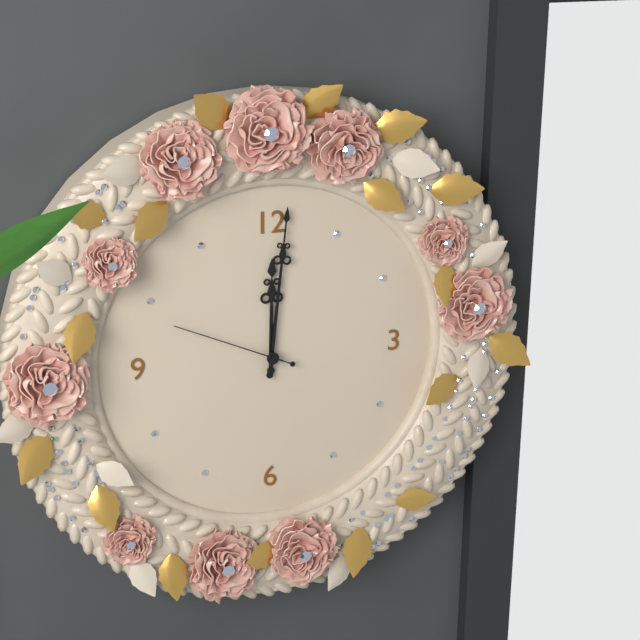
**12:01:49**
